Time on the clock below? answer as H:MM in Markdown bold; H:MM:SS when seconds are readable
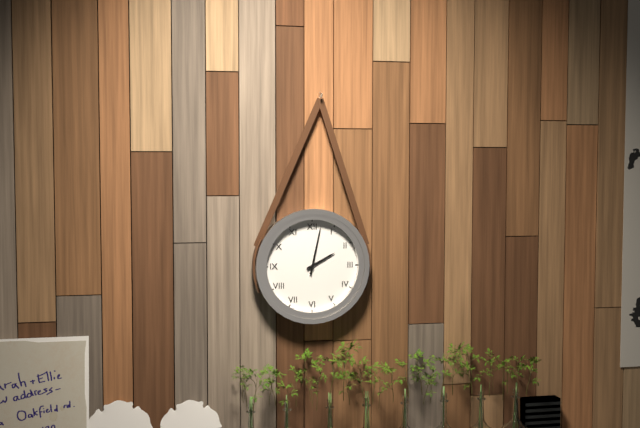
**2:02**
